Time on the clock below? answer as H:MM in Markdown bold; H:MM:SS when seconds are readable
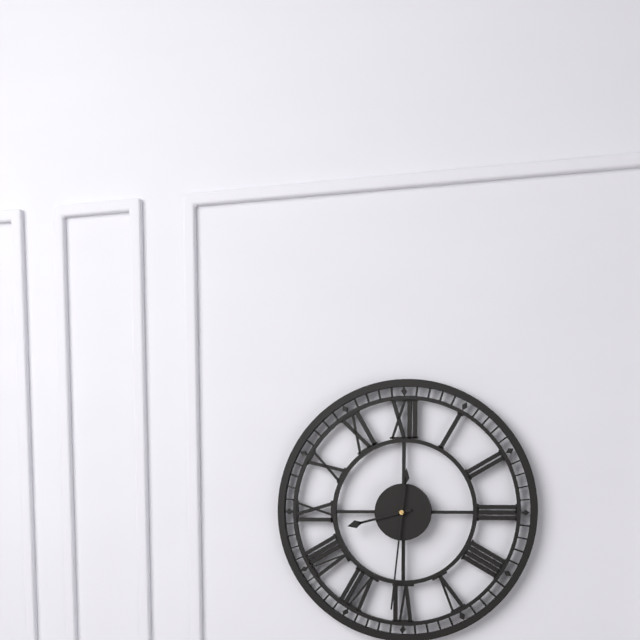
**8:31**
